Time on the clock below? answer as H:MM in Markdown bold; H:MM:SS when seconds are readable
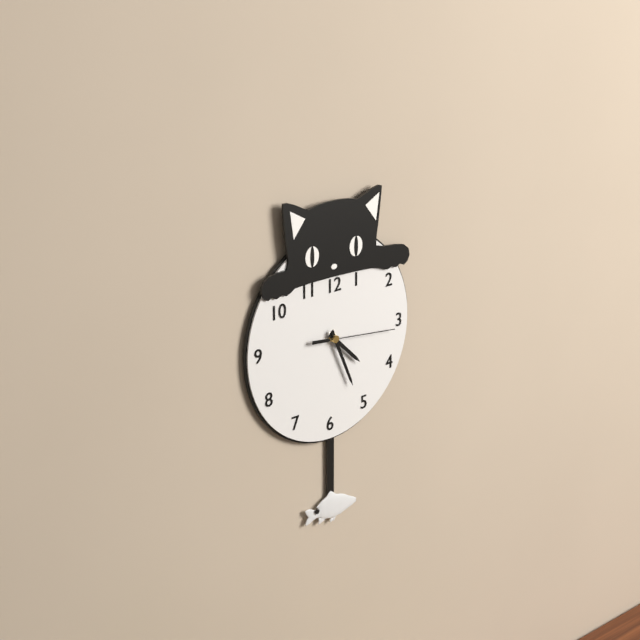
**4:26:16**
